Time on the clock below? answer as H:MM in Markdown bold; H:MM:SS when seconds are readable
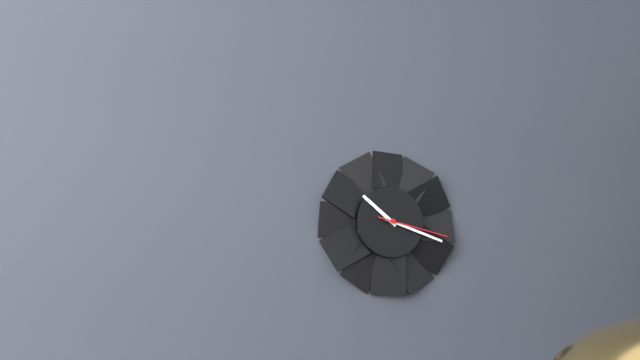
**10:18:17**
